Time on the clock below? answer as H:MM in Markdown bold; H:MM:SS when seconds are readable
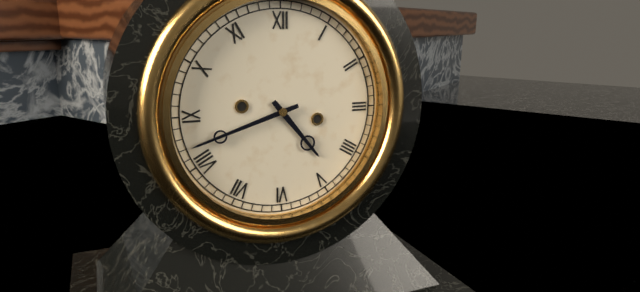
**4:42**
